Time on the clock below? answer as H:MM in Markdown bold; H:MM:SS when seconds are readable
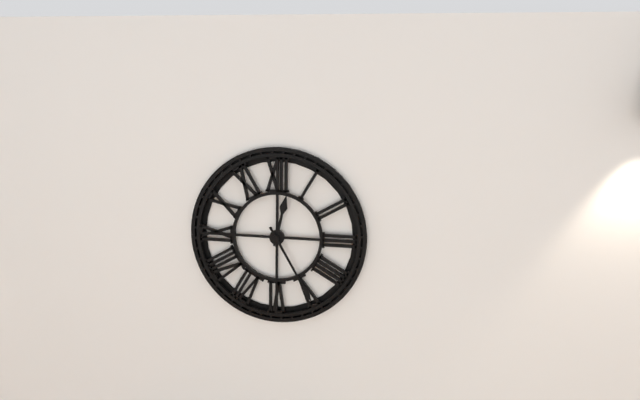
**12:25**
